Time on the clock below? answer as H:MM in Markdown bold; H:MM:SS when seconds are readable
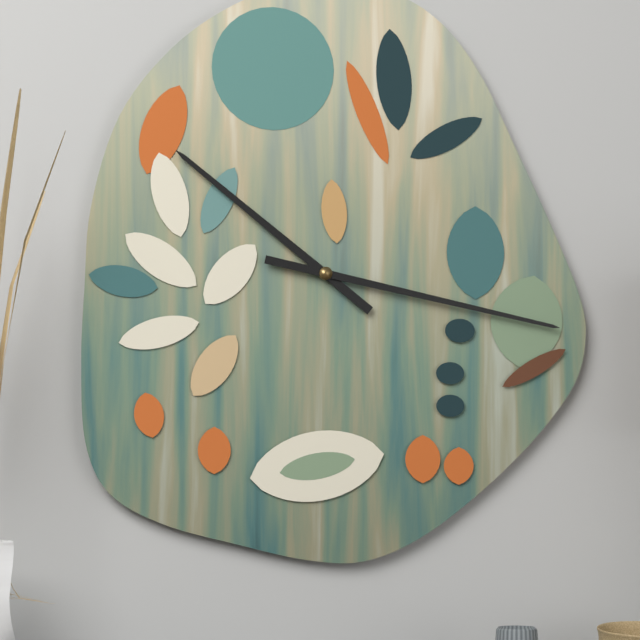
**10:17**
